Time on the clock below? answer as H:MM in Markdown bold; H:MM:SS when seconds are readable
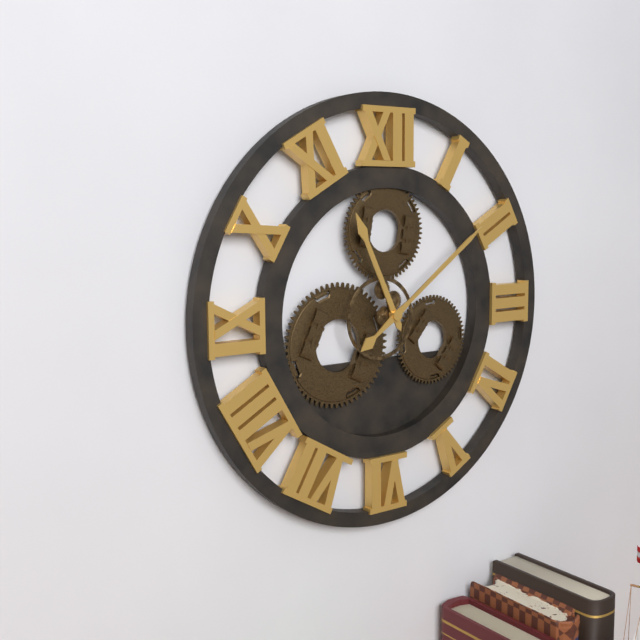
**11:09**
